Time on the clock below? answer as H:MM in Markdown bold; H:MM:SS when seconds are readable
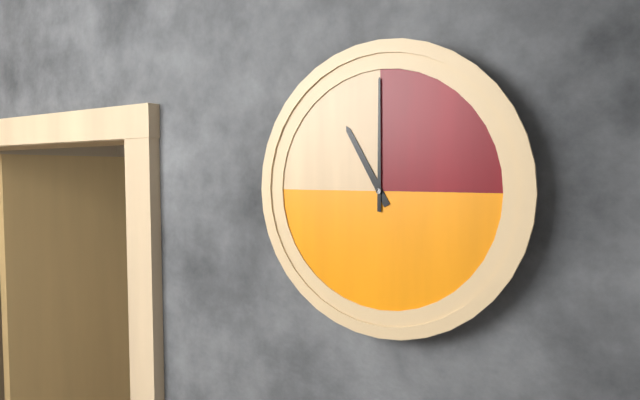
**11:00**
